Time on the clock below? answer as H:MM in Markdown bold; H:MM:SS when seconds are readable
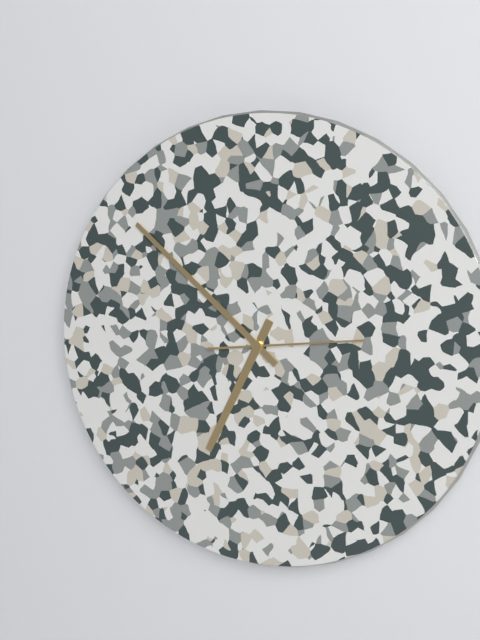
**6:52:14**
